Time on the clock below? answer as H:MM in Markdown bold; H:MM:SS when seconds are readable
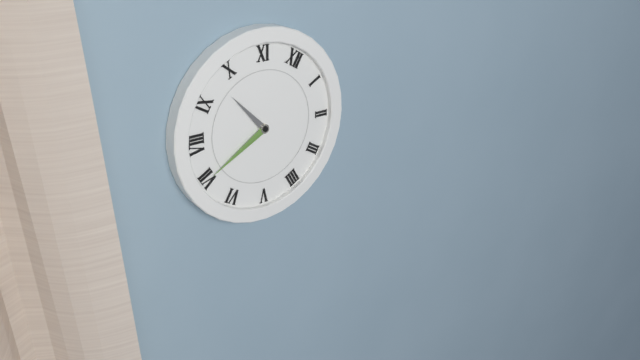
**9:35**
